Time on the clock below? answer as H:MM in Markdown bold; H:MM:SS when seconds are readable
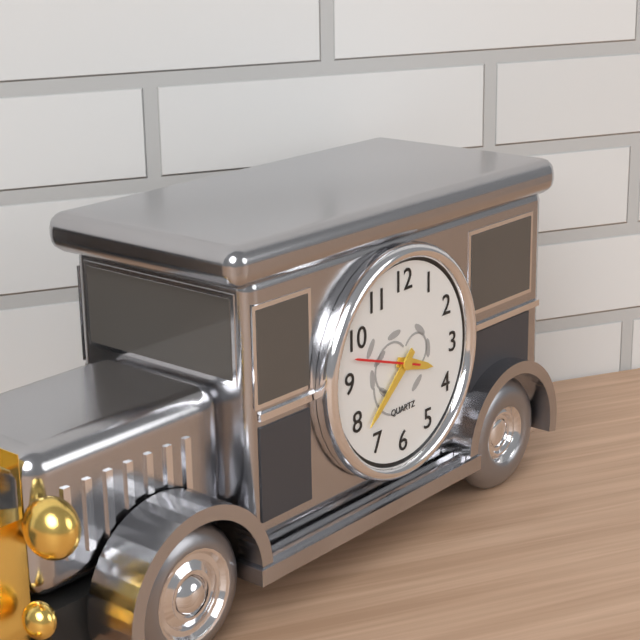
**3:38**
